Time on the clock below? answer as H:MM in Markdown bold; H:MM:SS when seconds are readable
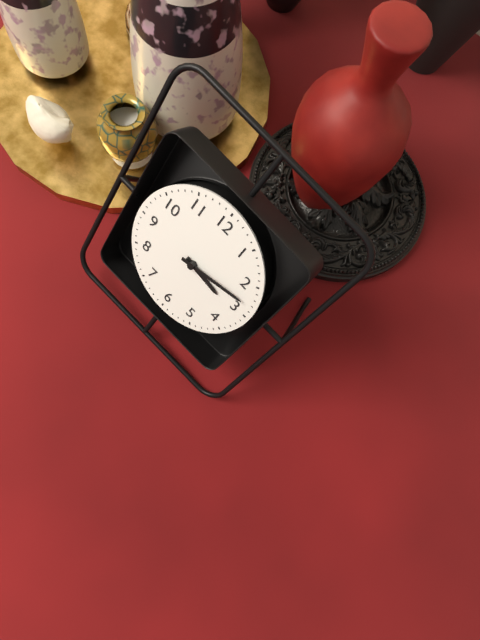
**3:13**
